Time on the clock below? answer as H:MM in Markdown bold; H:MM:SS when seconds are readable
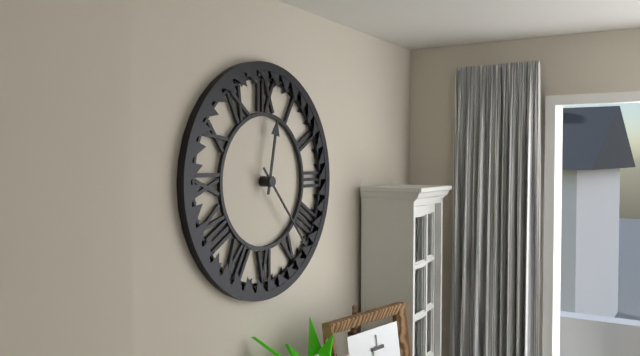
**12:23**
